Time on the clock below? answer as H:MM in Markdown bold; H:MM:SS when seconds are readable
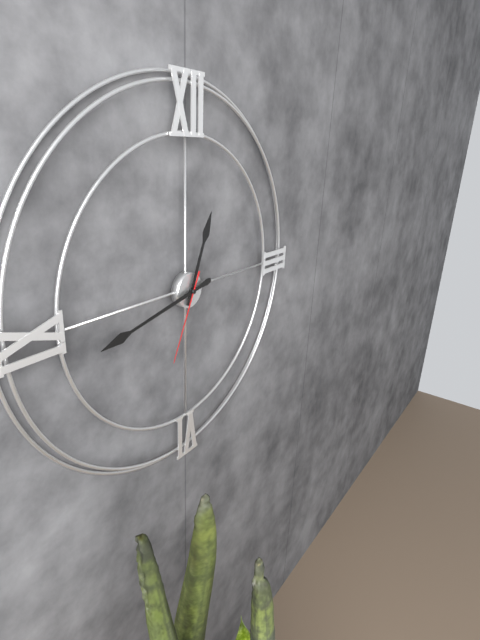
**12:43:34**
